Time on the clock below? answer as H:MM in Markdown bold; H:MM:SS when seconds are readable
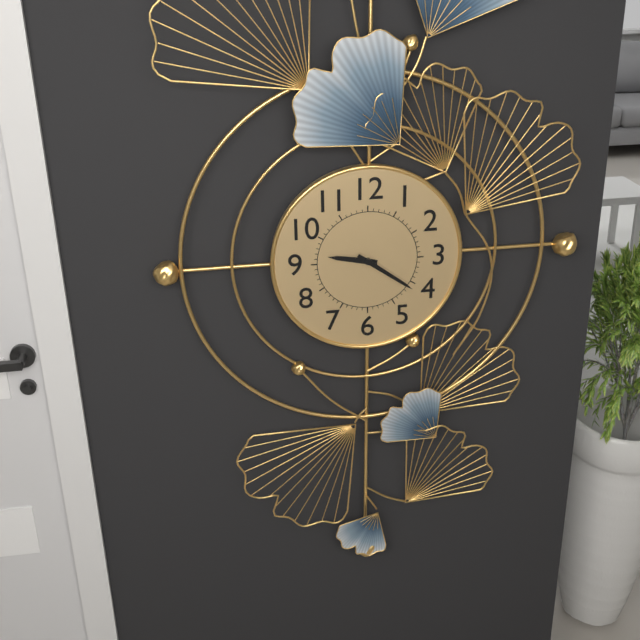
**9:21**
